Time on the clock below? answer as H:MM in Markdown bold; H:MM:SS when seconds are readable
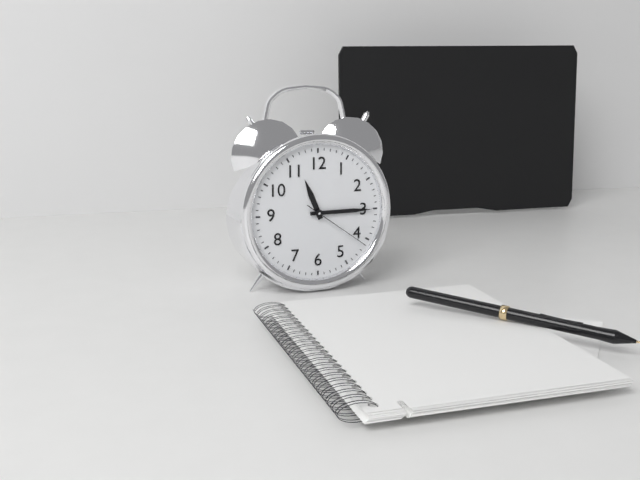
**11:15:21**
